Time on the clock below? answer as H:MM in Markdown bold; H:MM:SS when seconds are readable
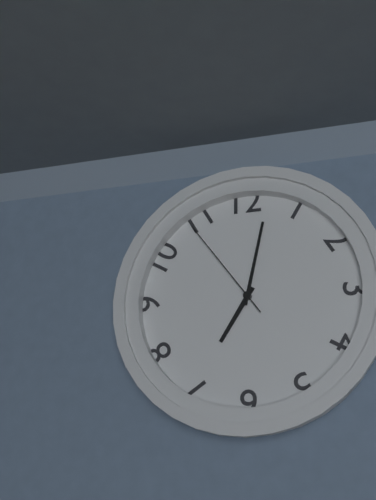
**7:02:54**
